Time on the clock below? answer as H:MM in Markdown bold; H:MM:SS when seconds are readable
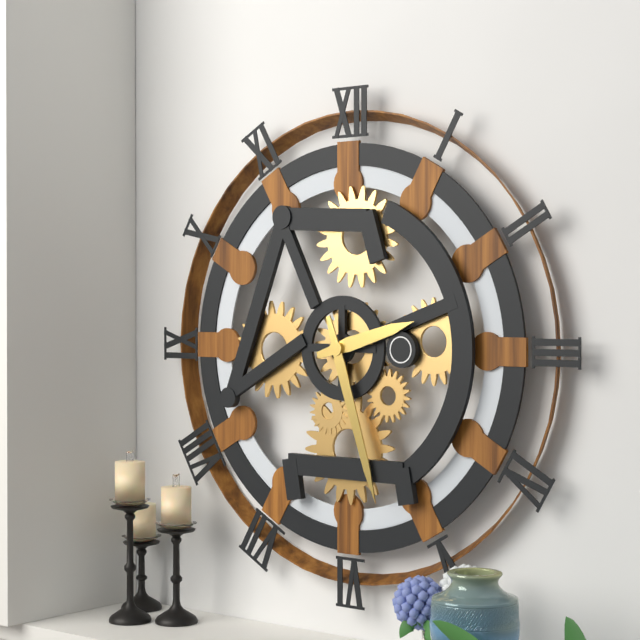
**2:27**
